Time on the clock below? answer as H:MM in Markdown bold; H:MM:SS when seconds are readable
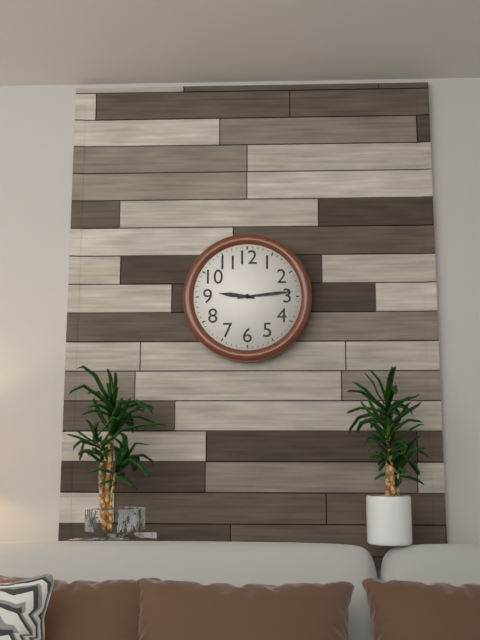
**9:14**
